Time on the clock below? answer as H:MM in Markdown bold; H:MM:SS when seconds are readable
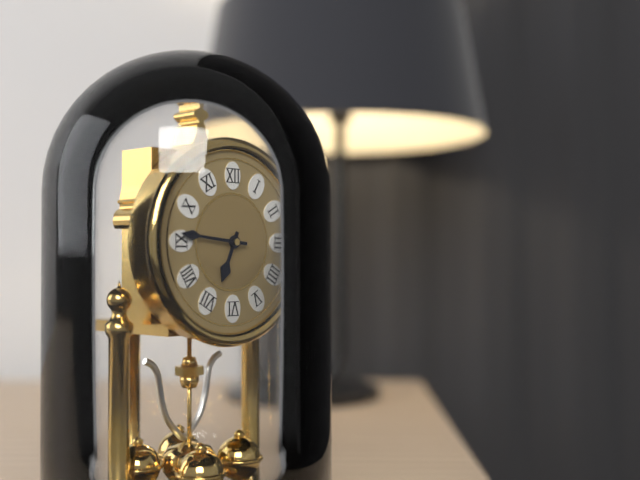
**6:46**
